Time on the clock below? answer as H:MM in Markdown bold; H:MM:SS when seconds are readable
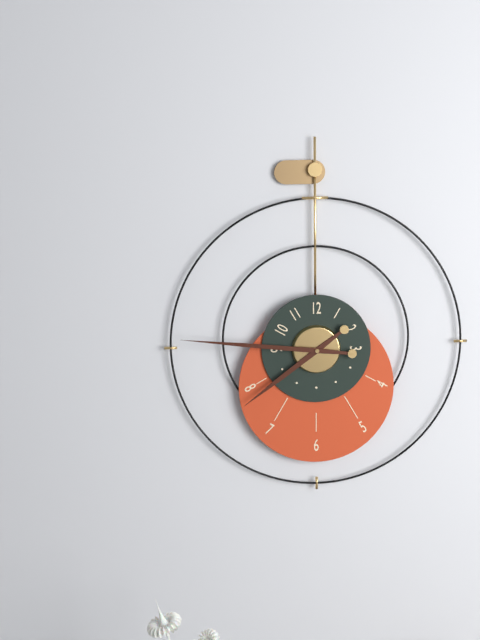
**7:46**
